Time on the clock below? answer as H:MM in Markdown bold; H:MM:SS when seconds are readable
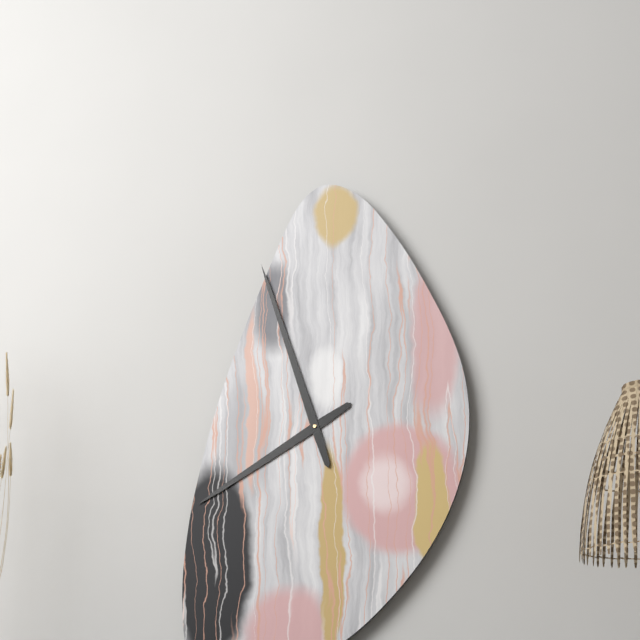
**7:57**
